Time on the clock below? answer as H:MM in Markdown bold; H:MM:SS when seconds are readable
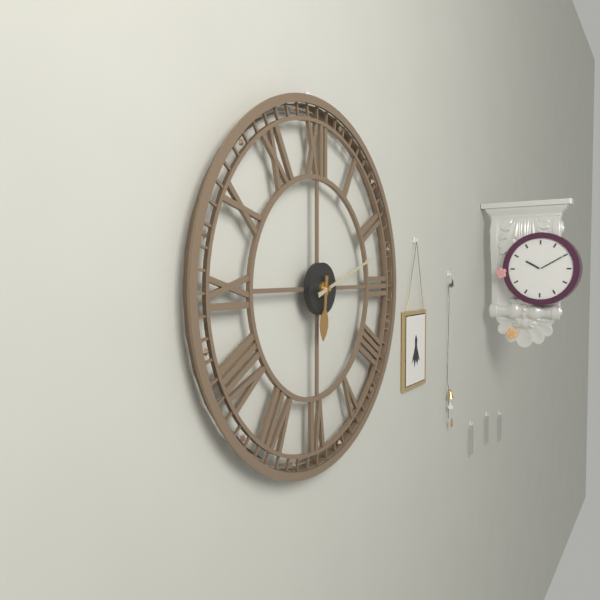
**6:12**
